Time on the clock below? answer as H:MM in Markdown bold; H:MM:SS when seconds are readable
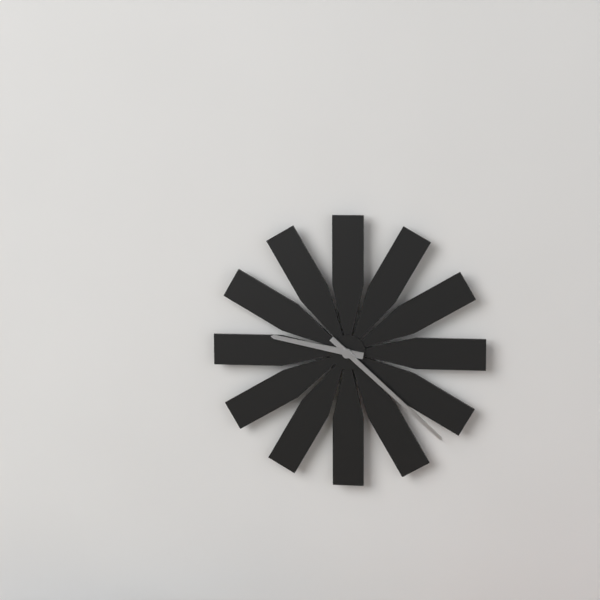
**9:22**
